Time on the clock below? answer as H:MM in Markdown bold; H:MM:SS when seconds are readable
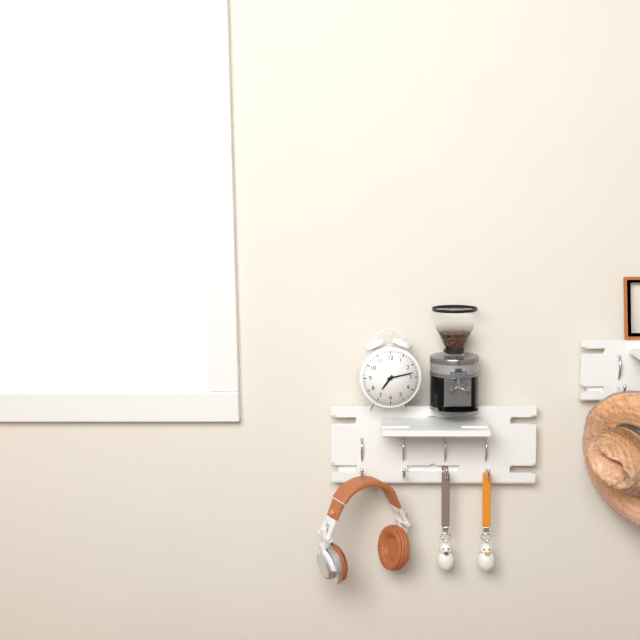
**7:13**
